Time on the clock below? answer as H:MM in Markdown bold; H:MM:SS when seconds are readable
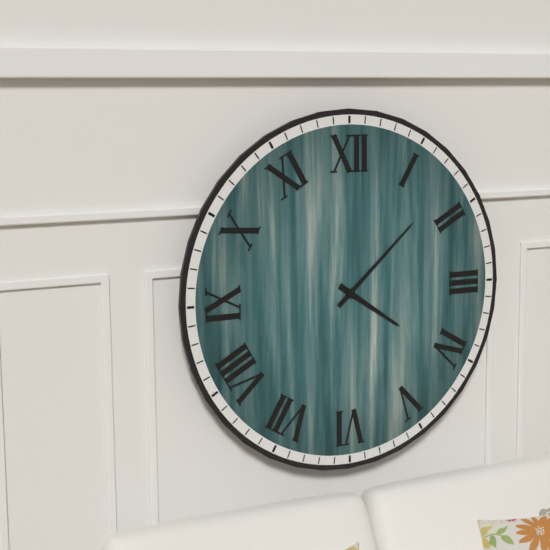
**4:08**
